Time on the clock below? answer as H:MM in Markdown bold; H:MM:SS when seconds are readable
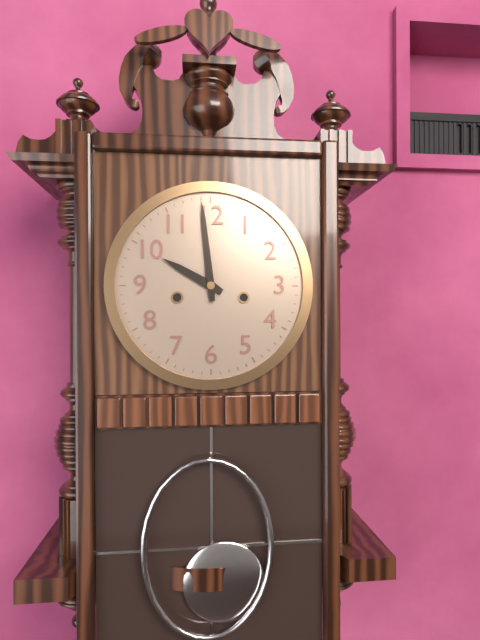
**9:59**
